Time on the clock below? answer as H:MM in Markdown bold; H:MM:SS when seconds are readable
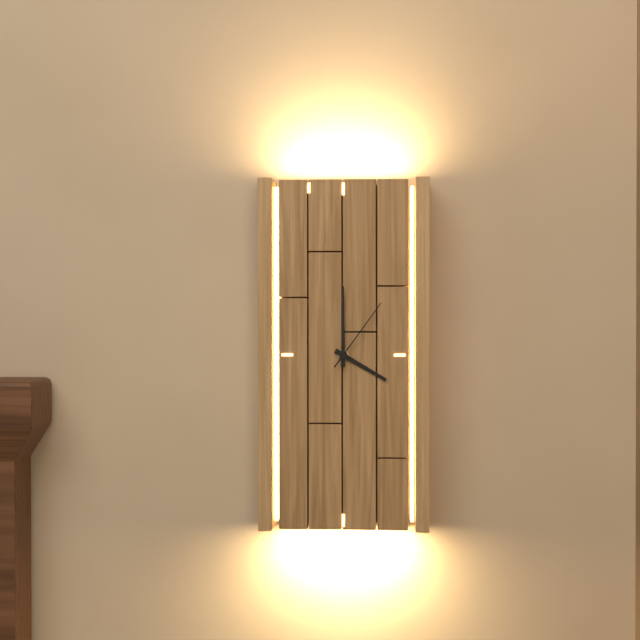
**4:00:06**
